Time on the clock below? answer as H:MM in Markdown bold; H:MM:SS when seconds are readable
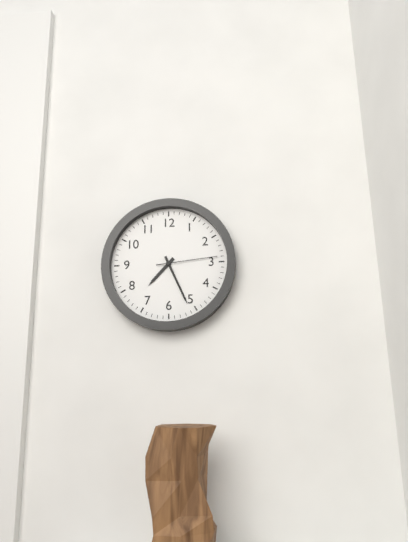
**7:26:14**
